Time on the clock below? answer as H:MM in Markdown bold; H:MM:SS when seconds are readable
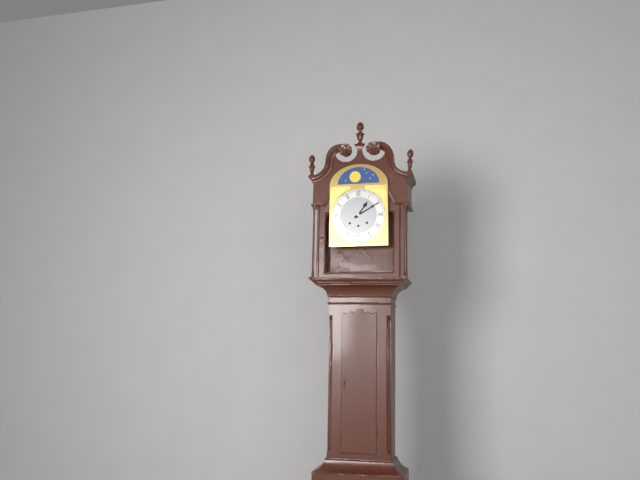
**1:10**
